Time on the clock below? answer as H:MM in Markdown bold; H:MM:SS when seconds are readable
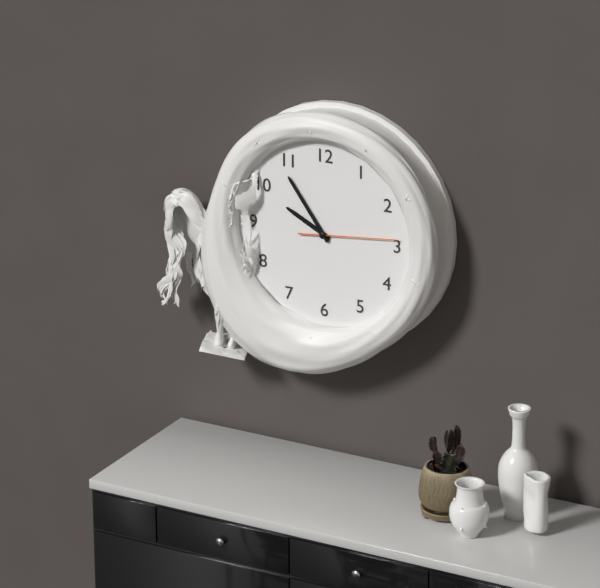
**9:54:14**
